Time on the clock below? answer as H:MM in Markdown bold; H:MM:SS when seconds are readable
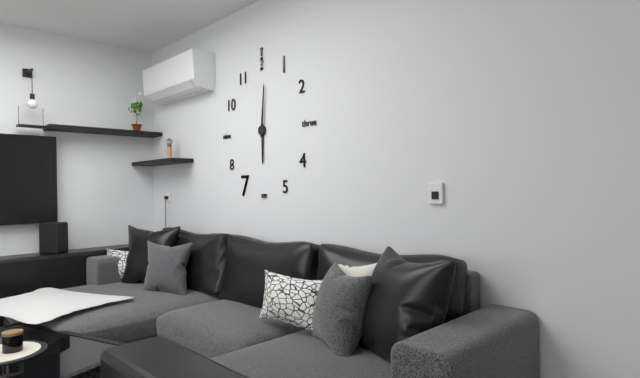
**6:01**
